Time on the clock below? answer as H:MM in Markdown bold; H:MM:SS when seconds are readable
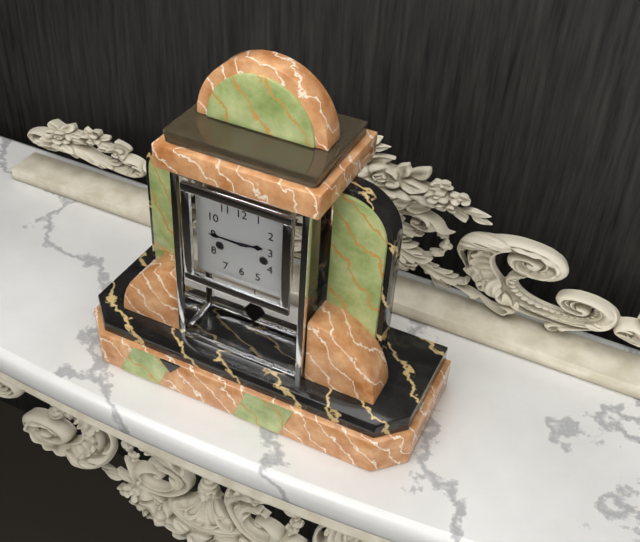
**2:45**
